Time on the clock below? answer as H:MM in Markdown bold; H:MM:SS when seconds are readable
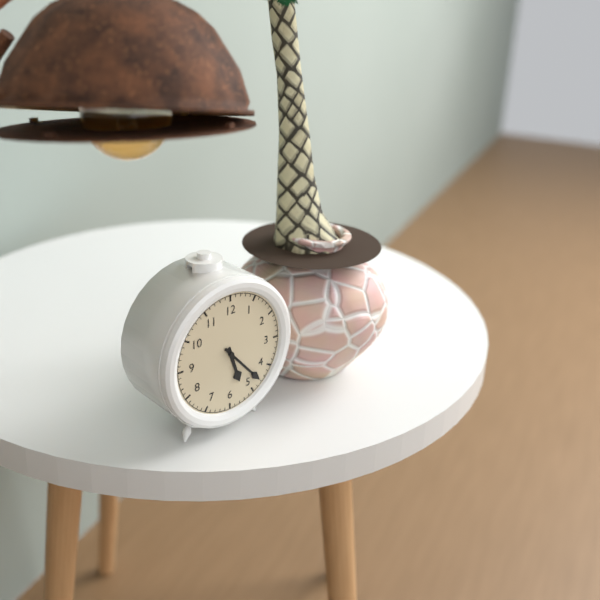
**5:23**
